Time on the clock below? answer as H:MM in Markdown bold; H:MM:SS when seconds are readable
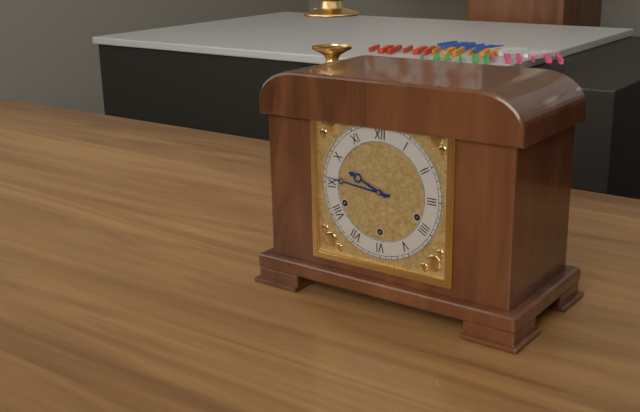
**9:46**
